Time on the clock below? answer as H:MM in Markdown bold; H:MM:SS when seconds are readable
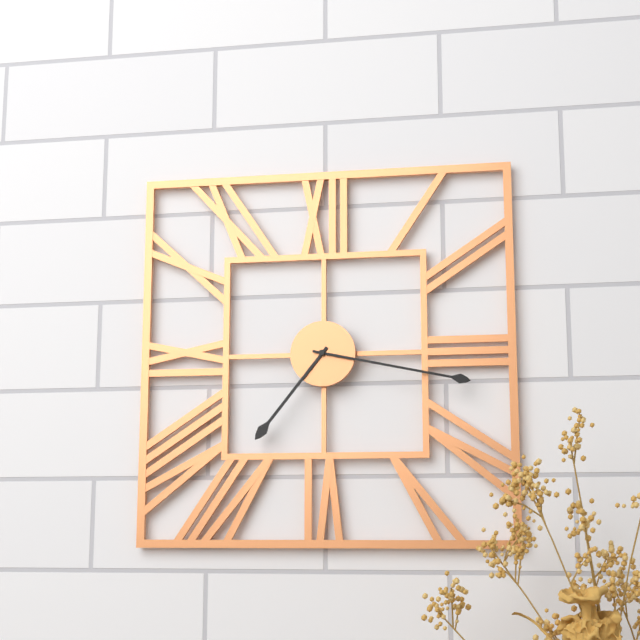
**7:17**
